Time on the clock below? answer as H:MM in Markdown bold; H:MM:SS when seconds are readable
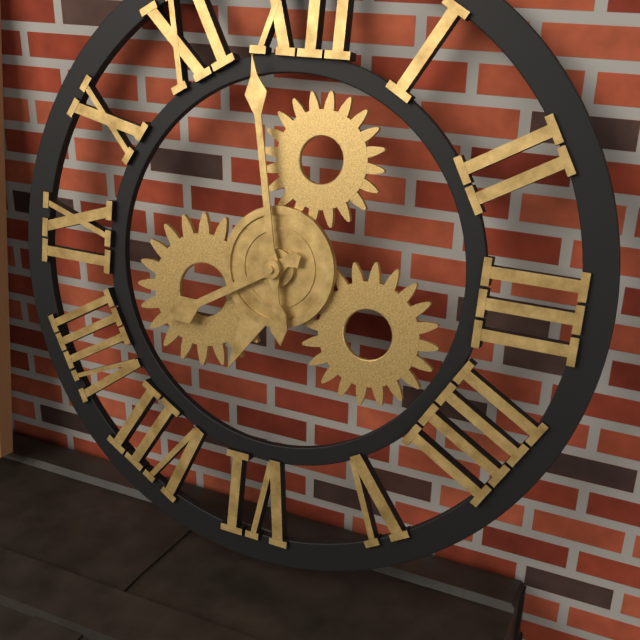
**7:58**
